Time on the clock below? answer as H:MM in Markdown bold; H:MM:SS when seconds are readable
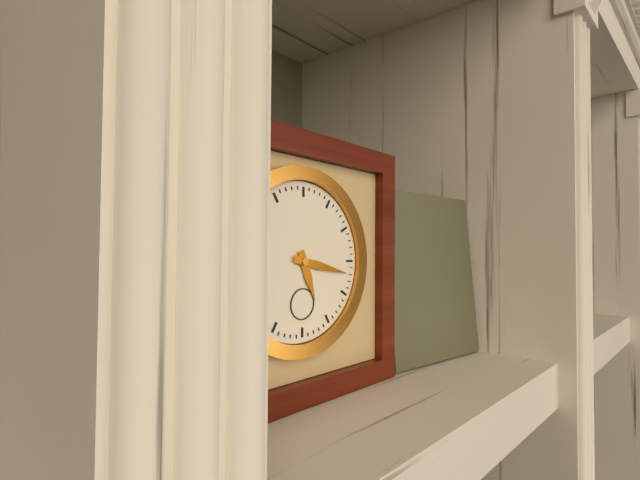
**5:17**
